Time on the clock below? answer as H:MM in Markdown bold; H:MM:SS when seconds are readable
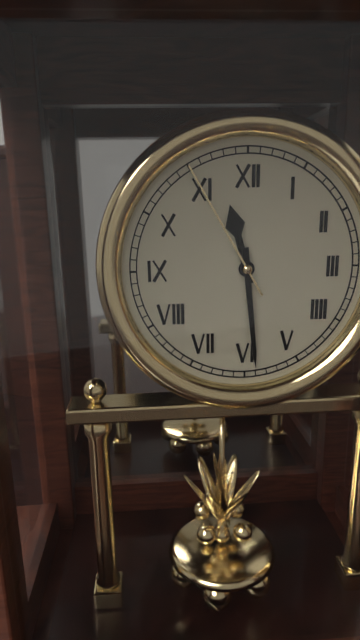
**11:29:55**
